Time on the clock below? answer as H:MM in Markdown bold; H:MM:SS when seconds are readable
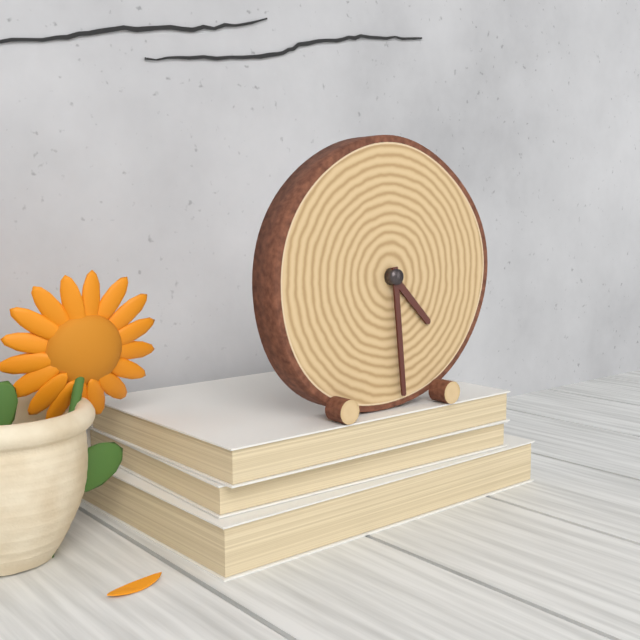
**4:29**
